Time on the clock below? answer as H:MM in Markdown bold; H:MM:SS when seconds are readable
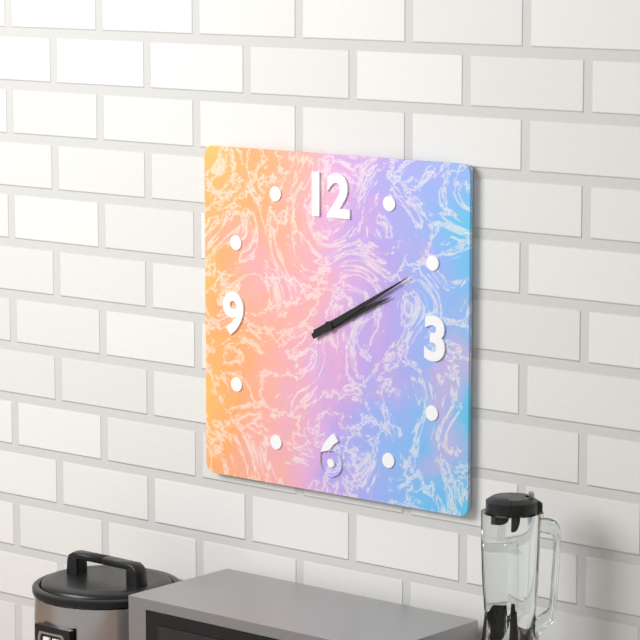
**2:10**
